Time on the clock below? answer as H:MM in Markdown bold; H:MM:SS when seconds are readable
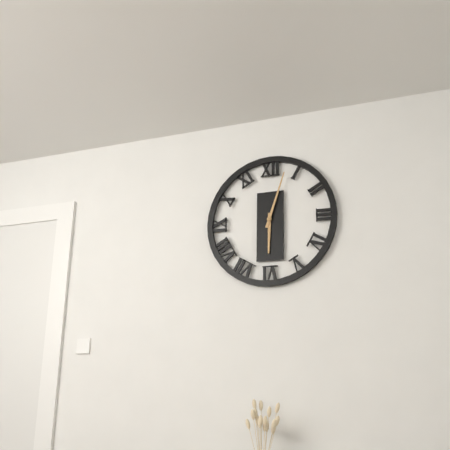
**6:03**
